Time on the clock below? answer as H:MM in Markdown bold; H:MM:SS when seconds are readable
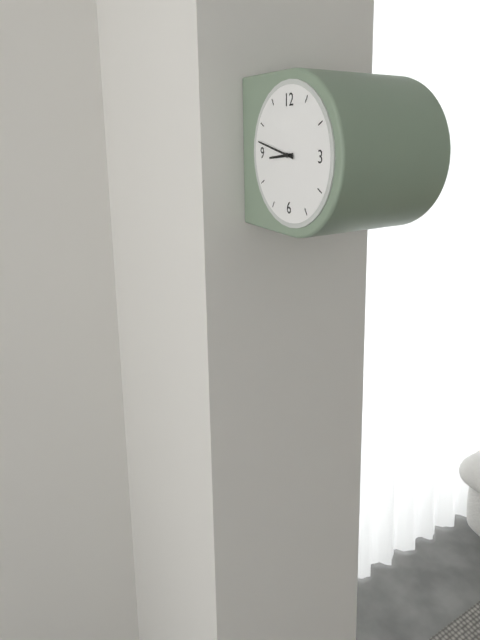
**8:47**
